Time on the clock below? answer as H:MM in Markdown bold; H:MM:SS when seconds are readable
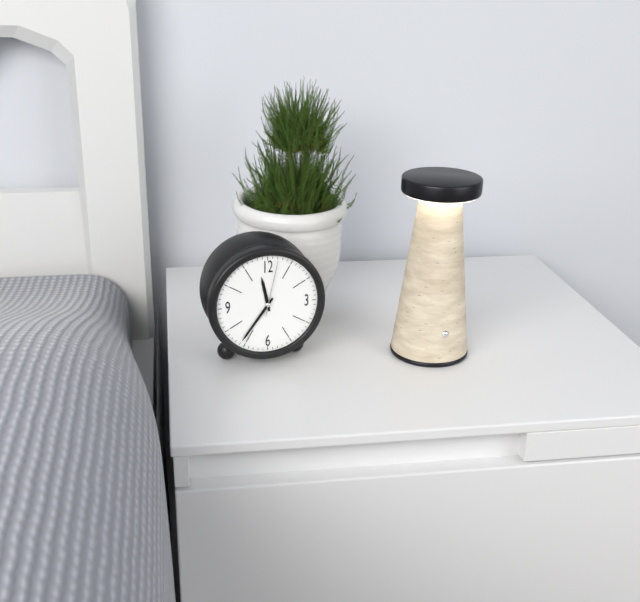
**11:36:02**
